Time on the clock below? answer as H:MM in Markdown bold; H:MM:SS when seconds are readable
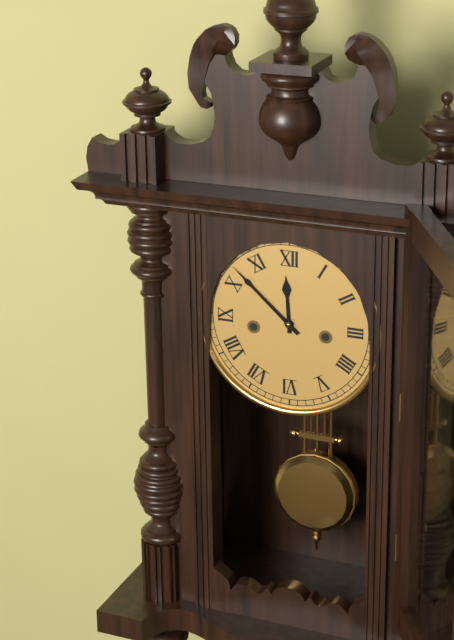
**11:52**
